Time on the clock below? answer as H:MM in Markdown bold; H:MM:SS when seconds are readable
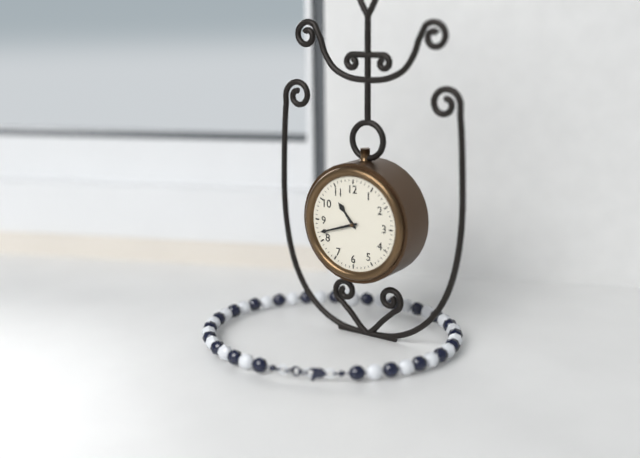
**10:42**
